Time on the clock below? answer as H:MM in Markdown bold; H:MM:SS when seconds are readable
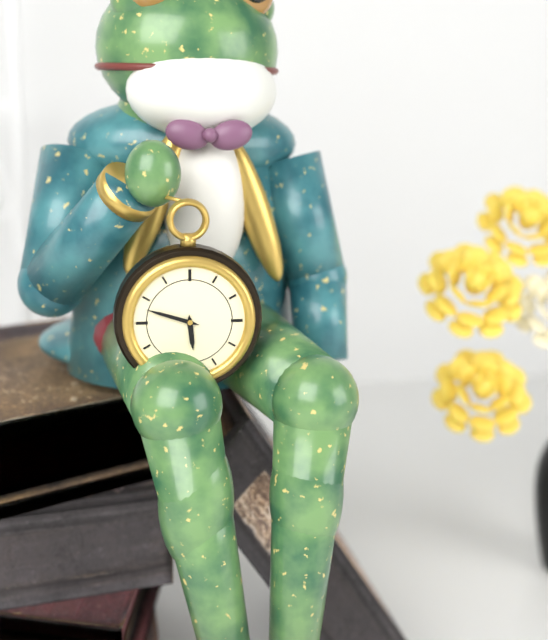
**5:48**
